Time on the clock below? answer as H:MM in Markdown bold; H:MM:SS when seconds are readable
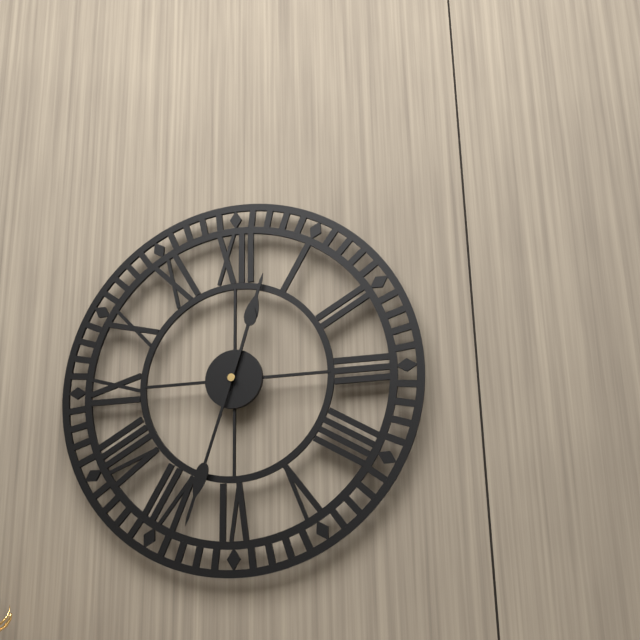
**12:33**
